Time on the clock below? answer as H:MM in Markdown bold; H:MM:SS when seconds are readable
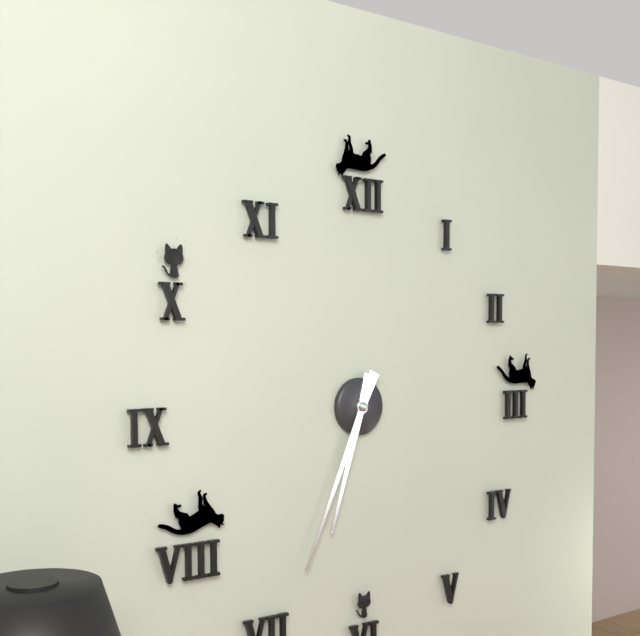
**6:34**
